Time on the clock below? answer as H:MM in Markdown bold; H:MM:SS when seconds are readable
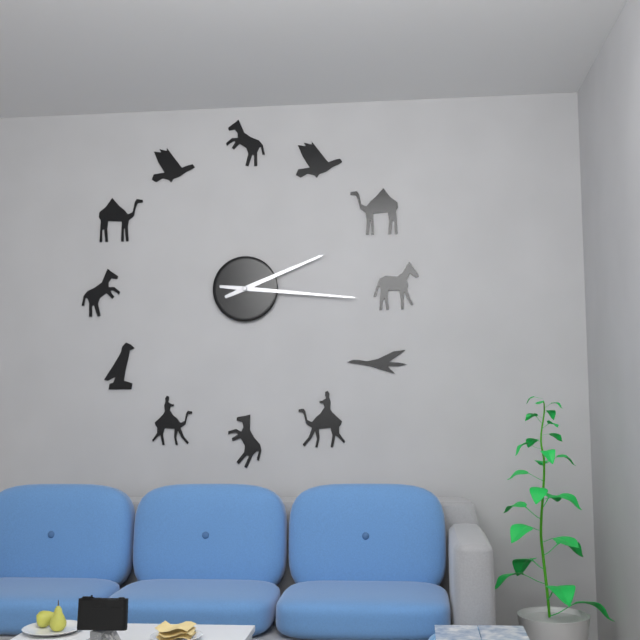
**2:16**
